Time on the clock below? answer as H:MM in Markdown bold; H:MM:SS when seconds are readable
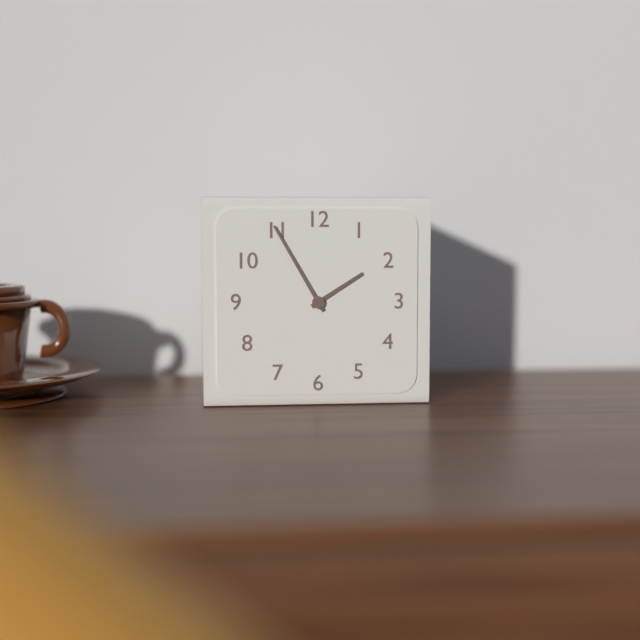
**1:55**
